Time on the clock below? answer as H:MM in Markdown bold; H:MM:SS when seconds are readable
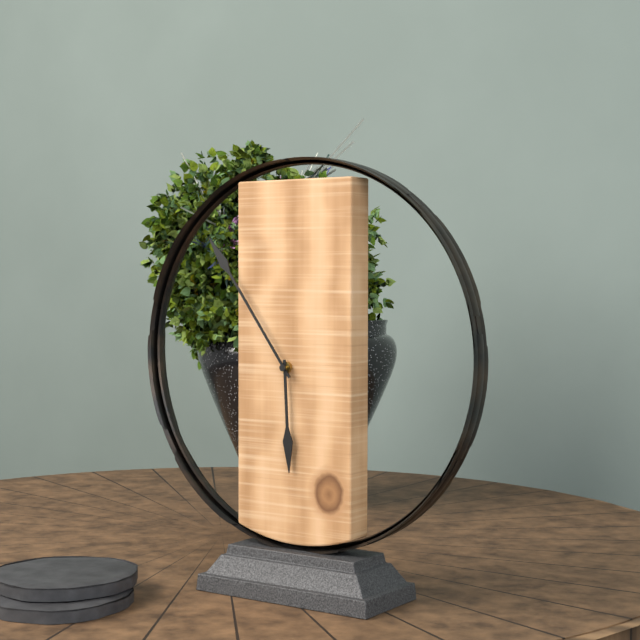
**5:54**
